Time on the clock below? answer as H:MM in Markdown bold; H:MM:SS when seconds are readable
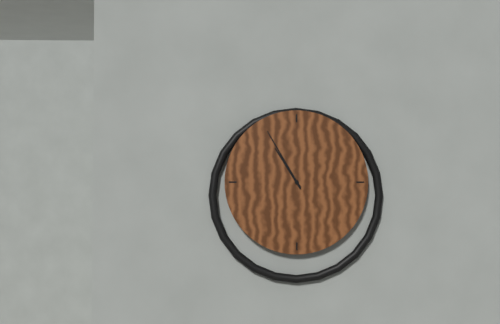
**10:55**
